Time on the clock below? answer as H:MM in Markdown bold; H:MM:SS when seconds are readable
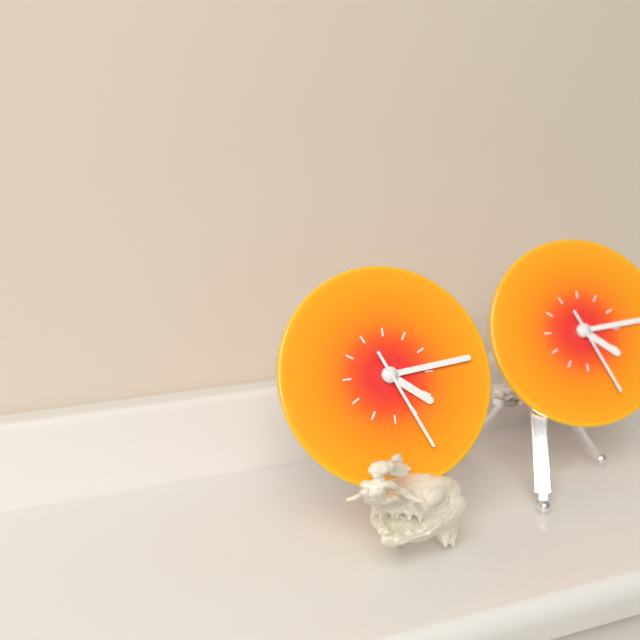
**4:14:26**
